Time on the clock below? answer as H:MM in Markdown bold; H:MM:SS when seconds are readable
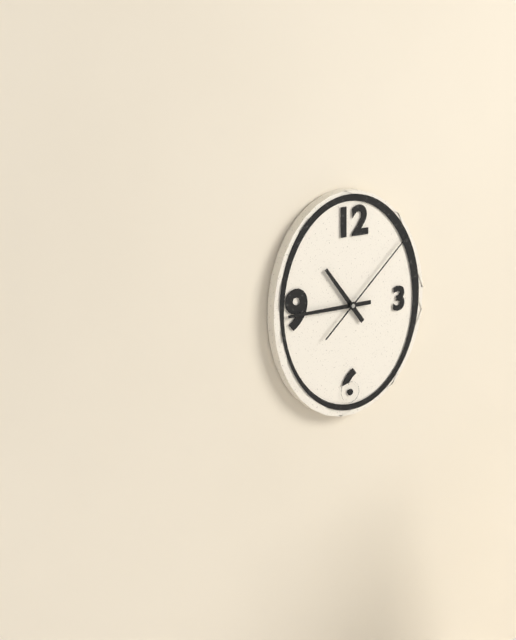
**10:45:08**
